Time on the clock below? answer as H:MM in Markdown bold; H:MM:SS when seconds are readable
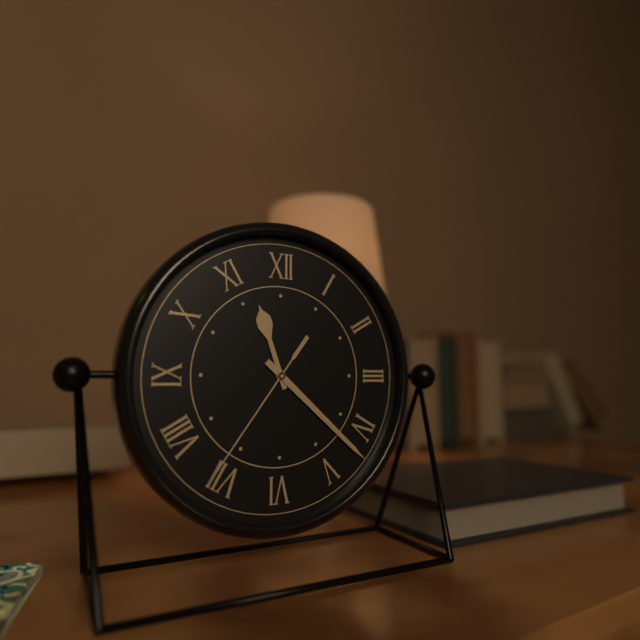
**11:22:36**
